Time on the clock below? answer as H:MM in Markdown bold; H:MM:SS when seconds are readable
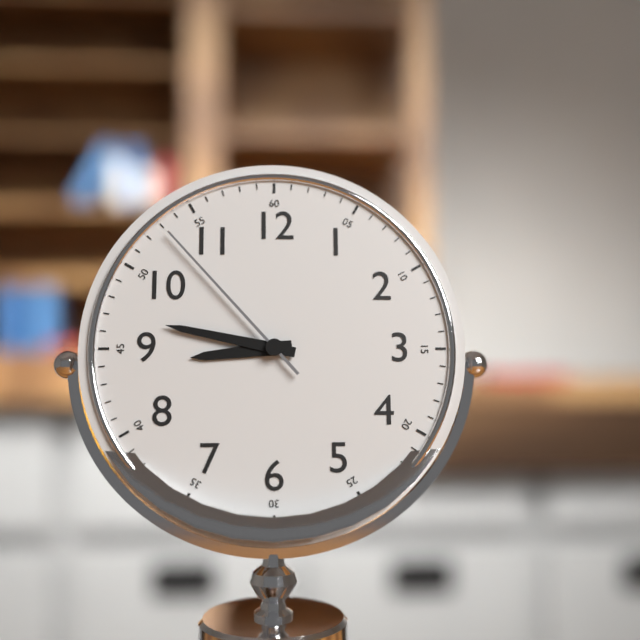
**8:47:53**
